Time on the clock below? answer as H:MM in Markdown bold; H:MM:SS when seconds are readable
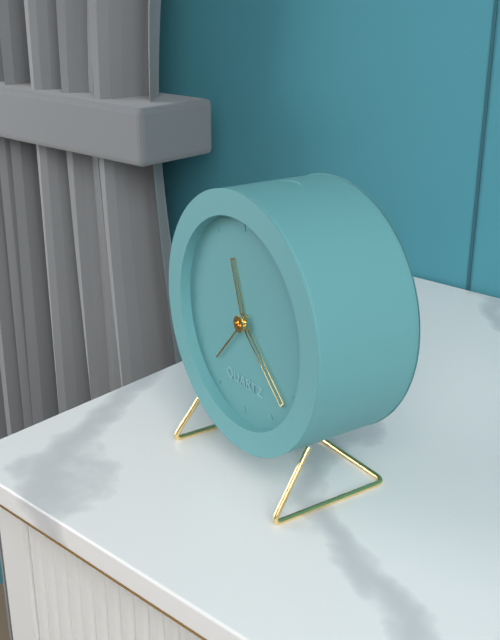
**11:22:37**
